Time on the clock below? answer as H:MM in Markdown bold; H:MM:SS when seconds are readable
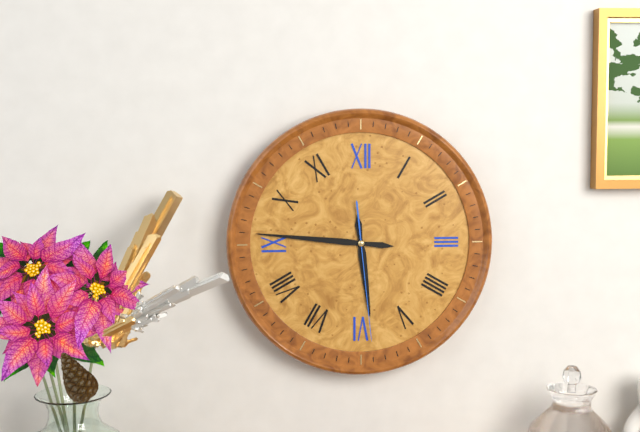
**5:46:29**
